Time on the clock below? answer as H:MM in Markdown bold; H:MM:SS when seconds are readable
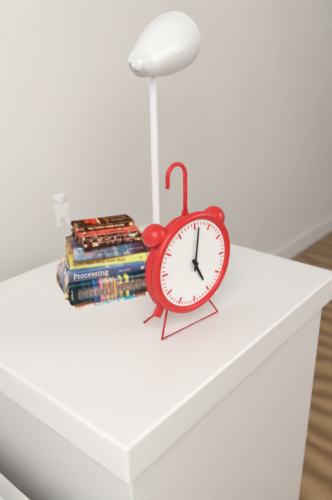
**5:01**
